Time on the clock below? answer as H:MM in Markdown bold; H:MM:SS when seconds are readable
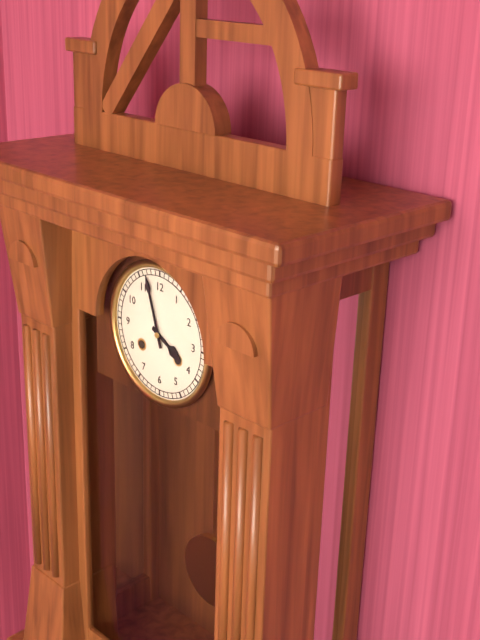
**3:57**
